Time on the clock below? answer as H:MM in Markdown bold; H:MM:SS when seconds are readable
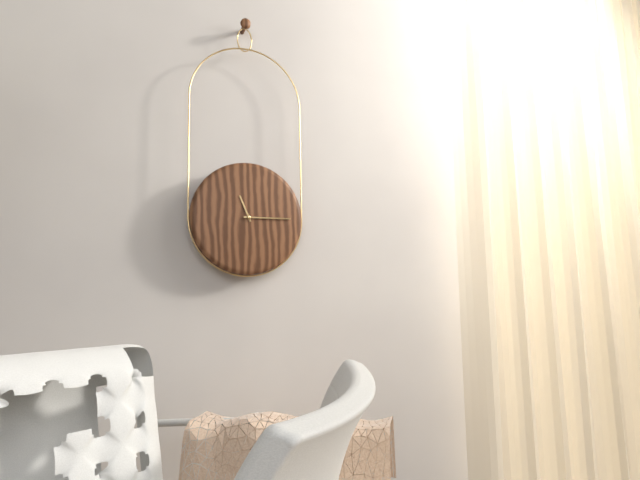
**11:15**
